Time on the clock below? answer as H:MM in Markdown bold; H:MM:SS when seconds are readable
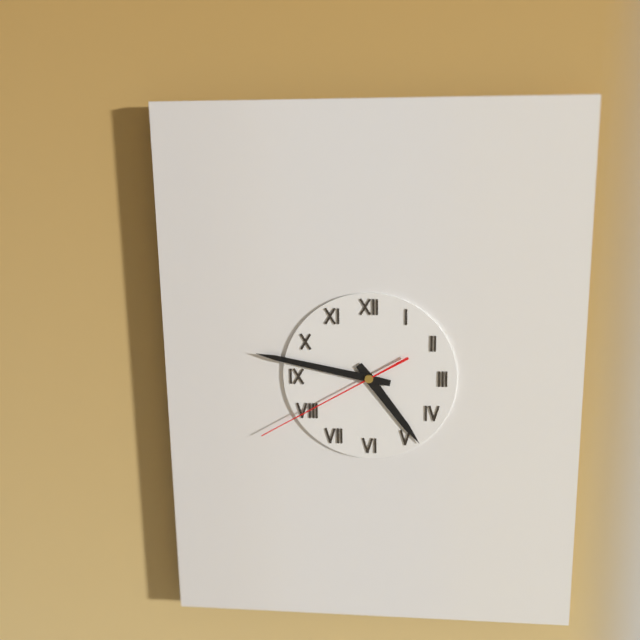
**4:47:40**
